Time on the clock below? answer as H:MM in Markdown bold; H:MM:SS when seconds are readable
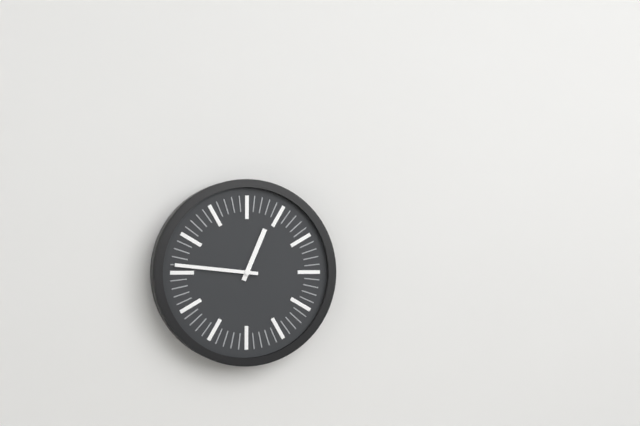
**12:46**
